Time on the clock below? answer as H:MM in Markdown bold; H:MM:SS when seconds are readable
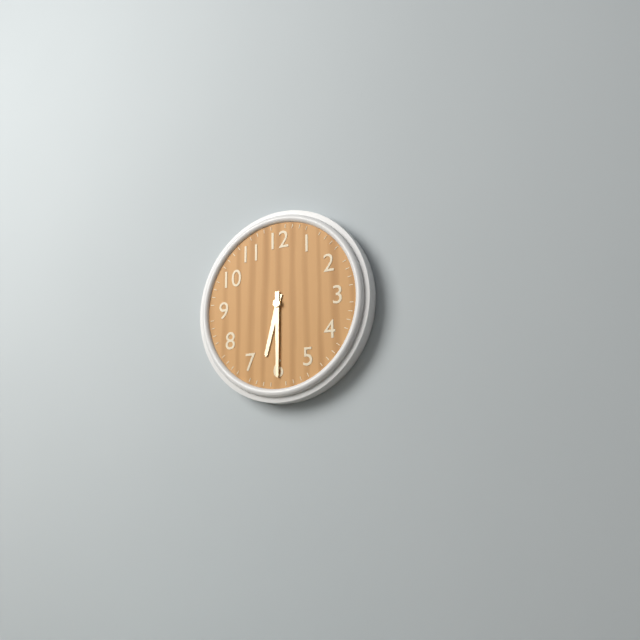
**6:30**
